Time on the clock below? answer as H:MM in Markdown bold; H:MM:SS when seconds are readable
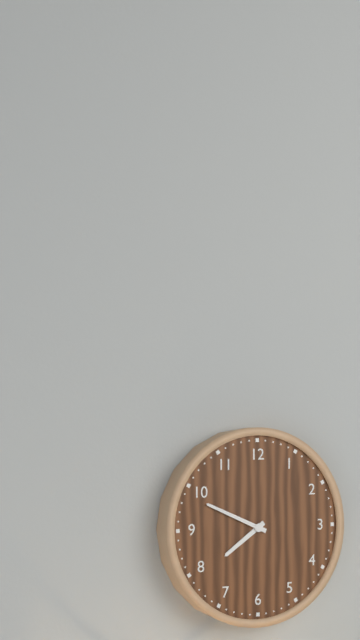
**7:49**
